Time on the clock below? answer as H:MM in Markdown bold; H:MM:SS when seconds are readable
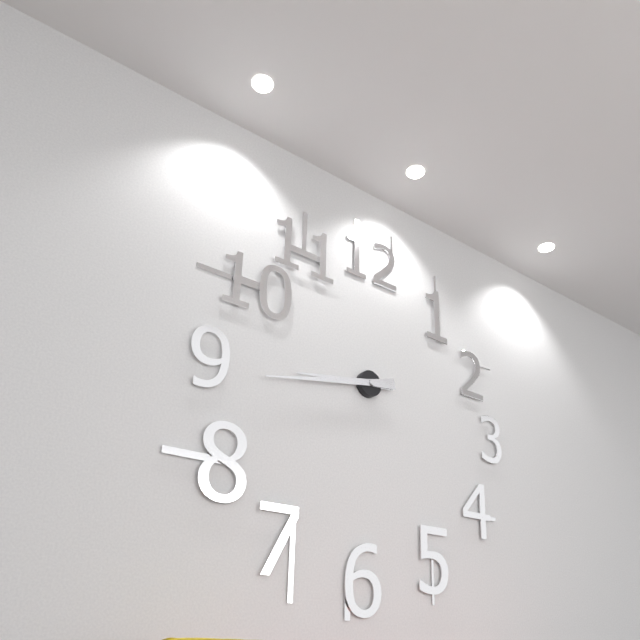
**8:43**
